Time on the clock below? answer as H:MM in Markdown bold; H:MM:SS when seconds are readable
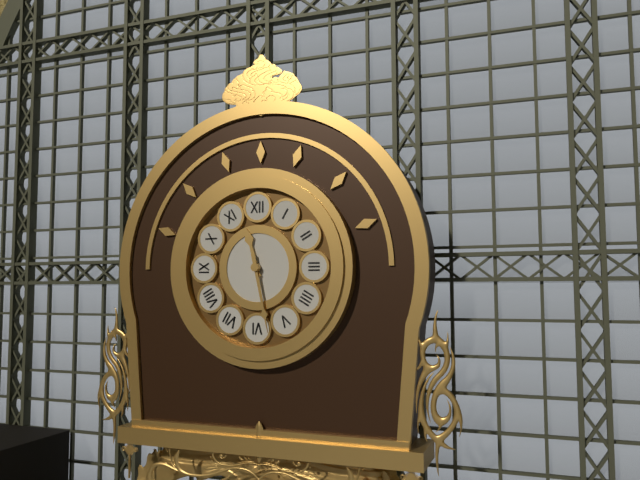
**11:28**
